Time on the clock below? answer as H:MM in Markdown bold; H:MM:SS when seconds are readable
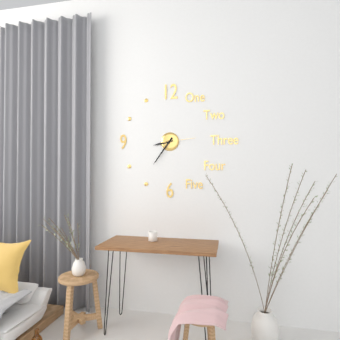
**8:36**
